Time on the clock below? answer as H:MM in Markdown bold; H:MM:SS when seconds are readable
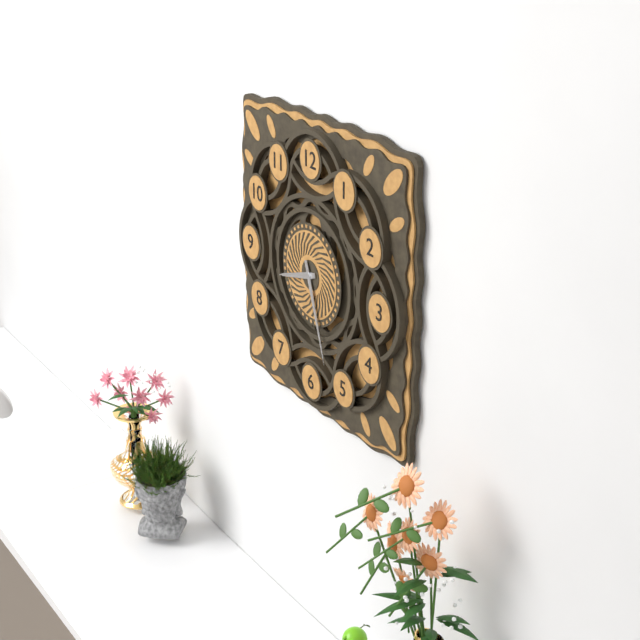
**8:27**
